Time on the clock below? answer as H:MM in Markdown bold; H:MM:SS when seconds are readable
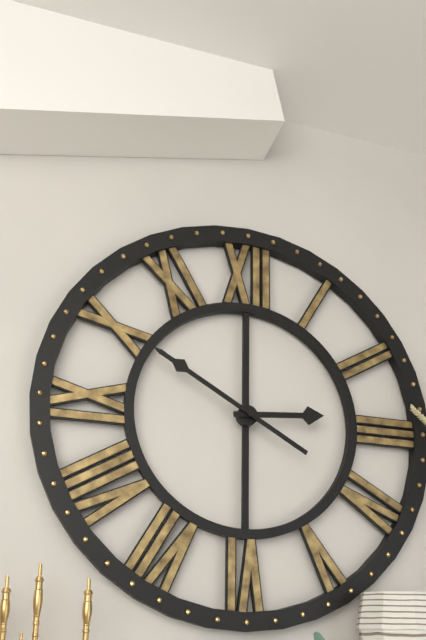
**2:50**
